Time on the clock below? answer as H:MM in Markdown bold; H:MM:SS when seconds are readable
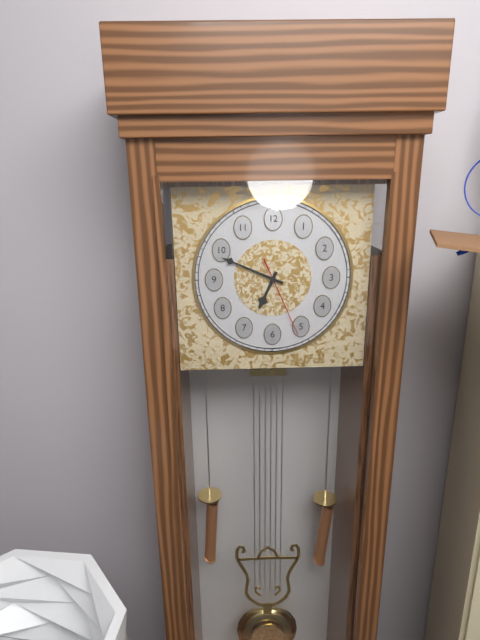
**6:49:26**
